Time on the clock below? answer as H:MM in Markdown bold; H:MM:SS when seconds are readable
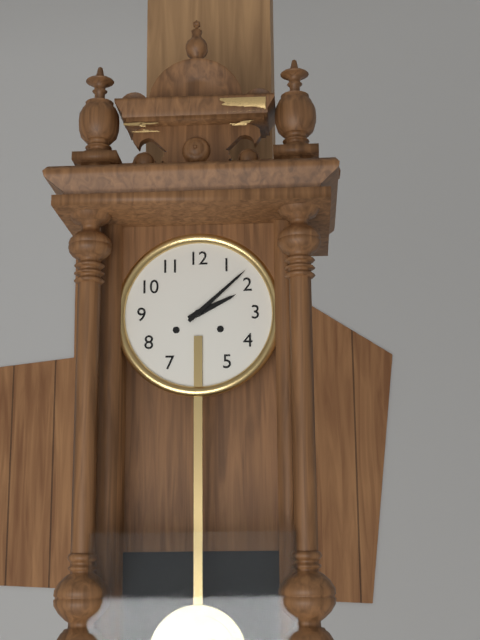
**2:08**
